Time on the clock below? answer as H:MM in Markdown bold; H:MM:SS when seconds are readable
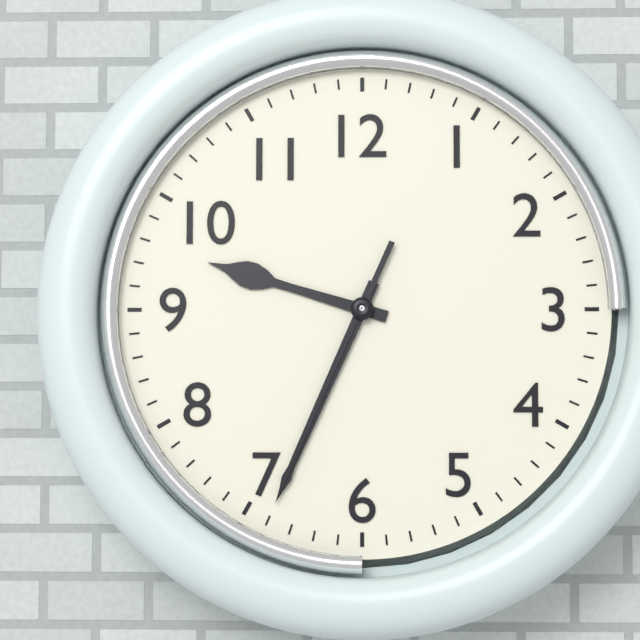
**9:34:34**
